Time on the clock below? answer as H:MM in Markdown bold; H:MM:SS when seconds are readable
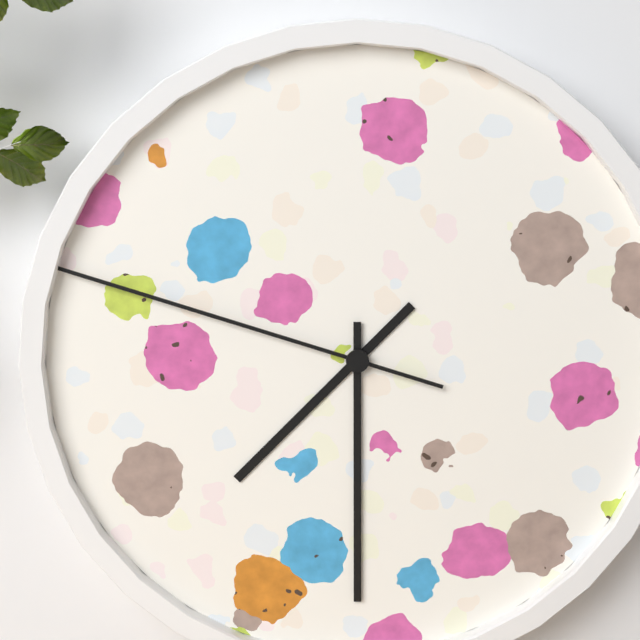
**7:30:48**
